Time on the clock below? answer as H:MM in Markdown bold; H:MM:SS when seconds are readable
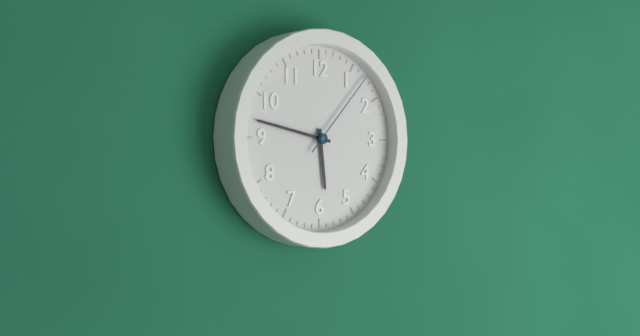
**5:47:07**
